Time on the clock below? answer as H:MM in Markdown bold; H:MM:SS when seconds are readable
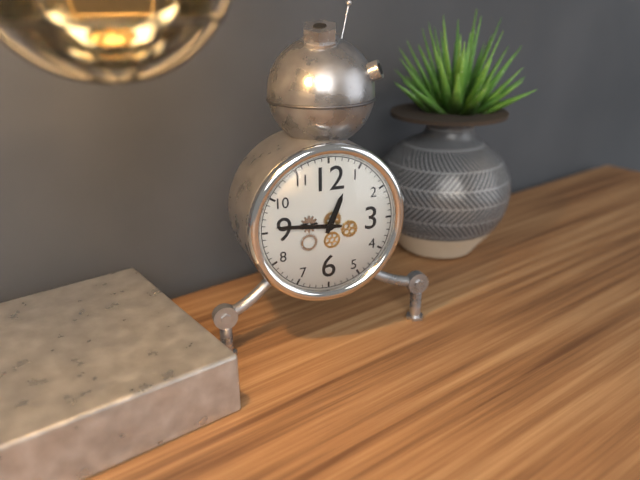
**12:46**
